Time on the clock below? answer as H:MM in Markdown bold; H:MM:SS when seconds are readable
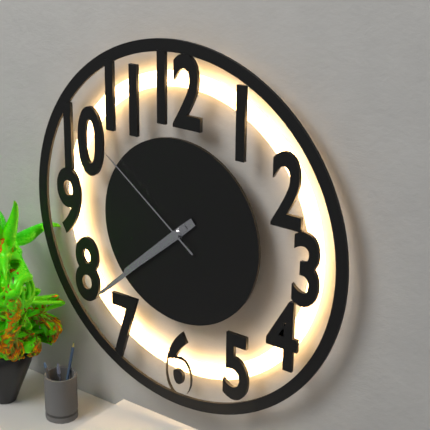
**7:38:51**
